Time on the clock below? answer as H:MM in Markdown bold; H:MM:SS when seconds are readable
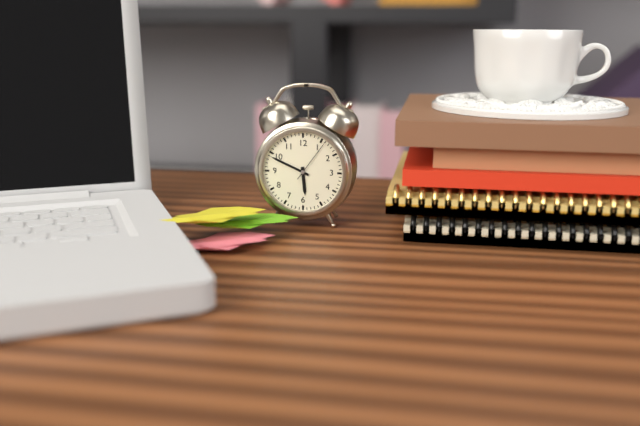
**5:49**
